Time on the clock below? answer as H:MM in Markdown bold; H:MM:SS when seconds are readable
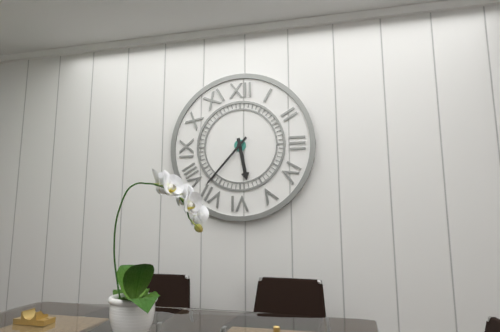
**5:37**
